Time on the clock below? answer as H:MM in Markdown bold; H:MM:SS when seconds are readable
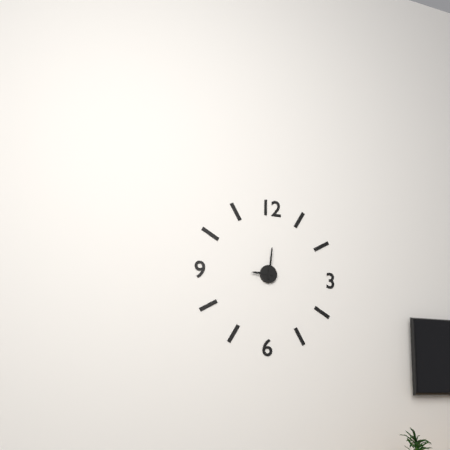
**9:01**
